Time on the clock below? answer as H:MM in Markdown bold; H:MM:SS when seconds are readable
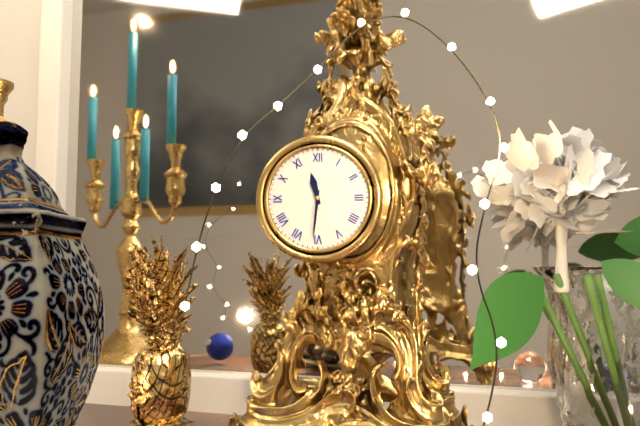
**11:31**
